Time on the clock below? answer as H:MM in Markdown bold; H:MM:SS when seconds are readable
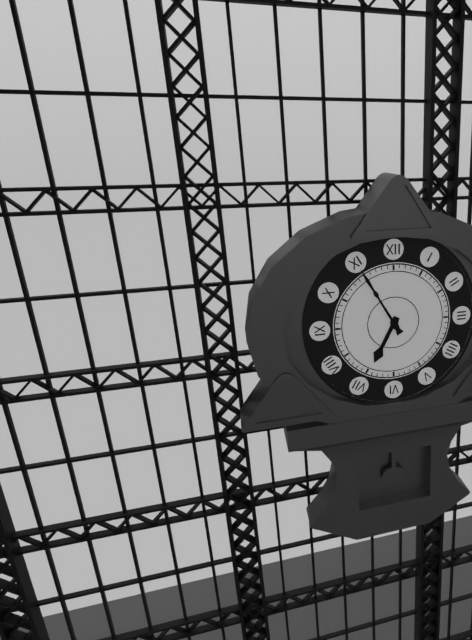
**6:55**
